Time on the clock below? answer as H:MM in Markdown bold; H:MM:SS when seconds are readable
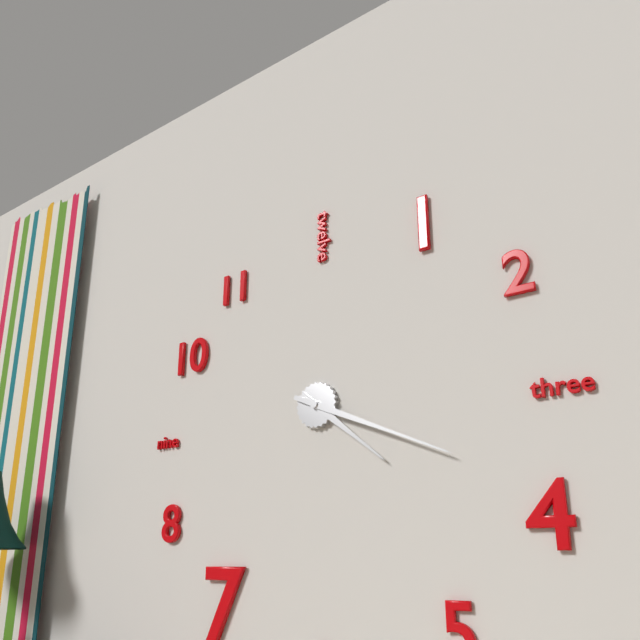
**4:19**
